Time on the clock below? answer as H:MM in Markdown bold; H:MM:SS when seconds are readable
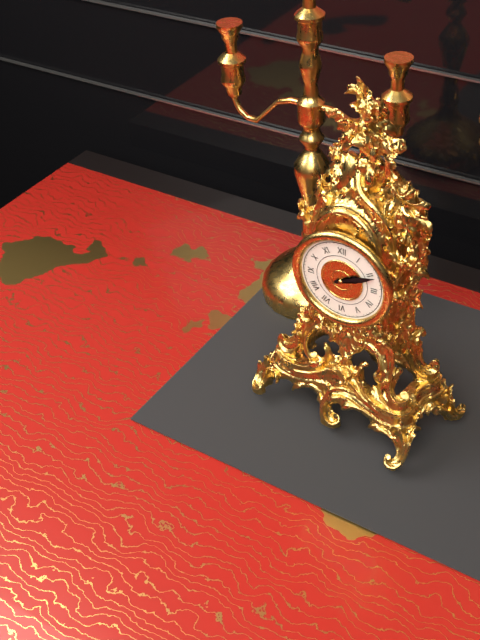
**2:11**
